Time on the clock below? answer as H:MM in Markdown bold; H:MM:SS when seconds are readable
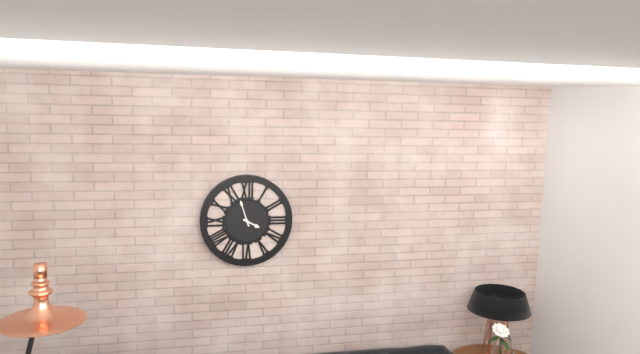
**3:57**
